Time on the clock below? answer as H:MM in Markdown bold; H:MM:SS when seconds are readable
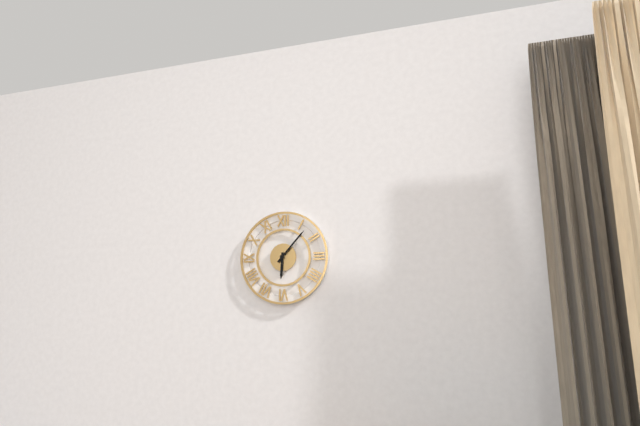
**6:07**
